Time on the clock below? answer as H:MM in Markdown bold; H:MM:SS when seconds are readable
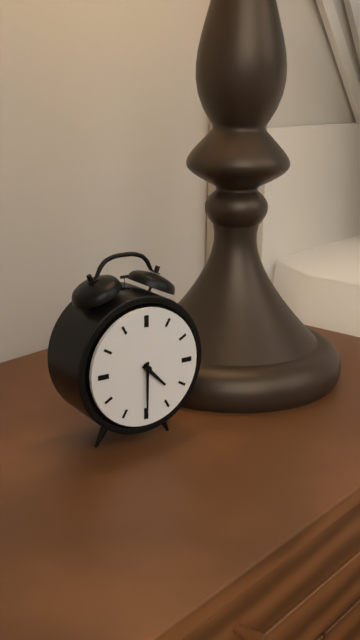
**4:30**
